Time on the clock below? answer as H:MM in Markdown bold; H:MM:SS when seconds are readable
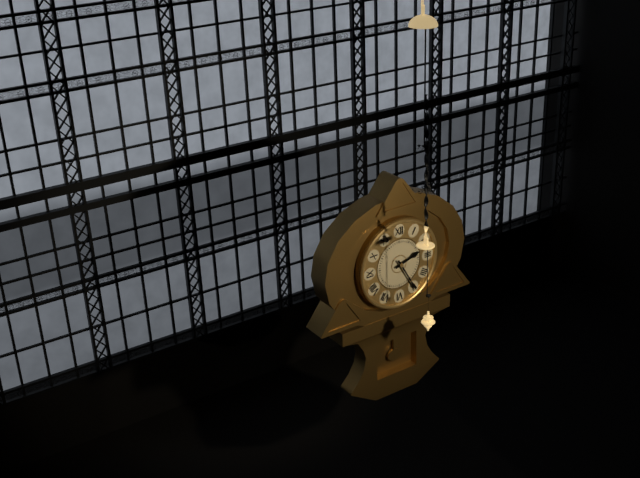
**2:25**
